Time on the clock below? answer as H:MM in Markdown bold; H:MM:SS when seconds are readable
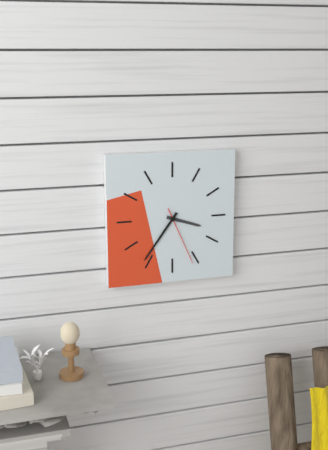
**3:36:26**
